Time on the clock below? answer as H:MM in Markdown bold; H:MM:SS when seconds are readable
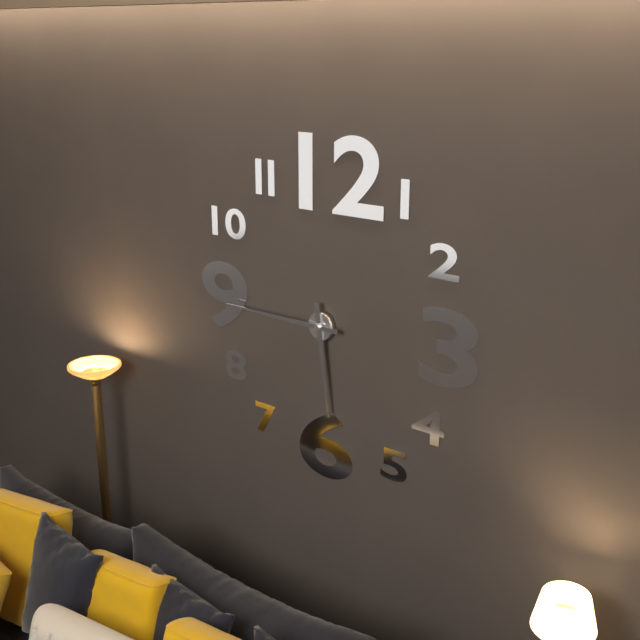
**5:45**
